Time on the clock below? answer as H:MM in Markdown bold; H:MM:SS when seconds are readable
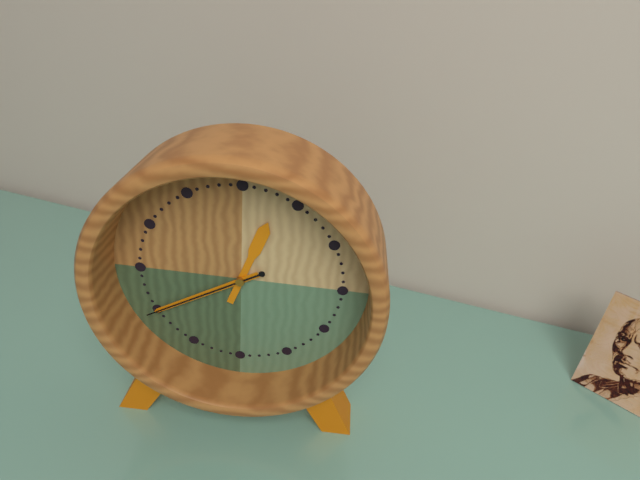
**12:40:40**
